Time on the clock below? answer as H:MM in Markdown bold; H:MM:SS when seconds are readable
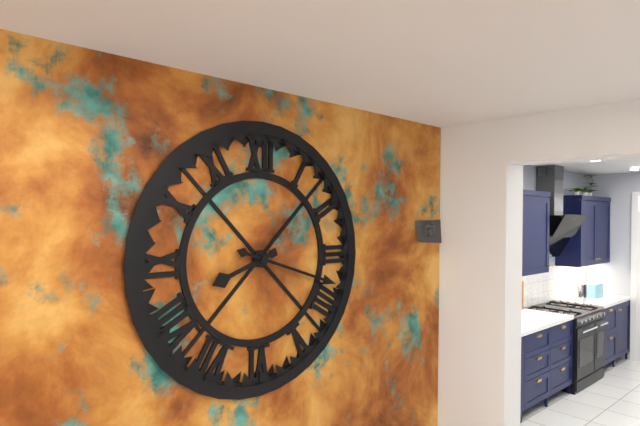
**8:18**
